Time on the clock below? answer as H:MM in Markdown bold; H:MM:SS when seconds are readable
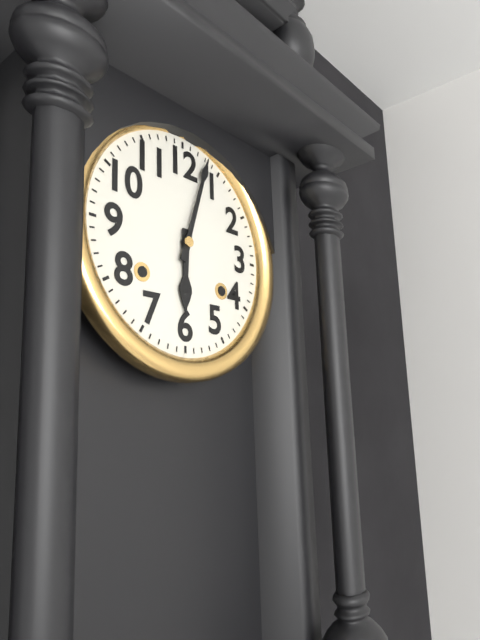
**6:03**
